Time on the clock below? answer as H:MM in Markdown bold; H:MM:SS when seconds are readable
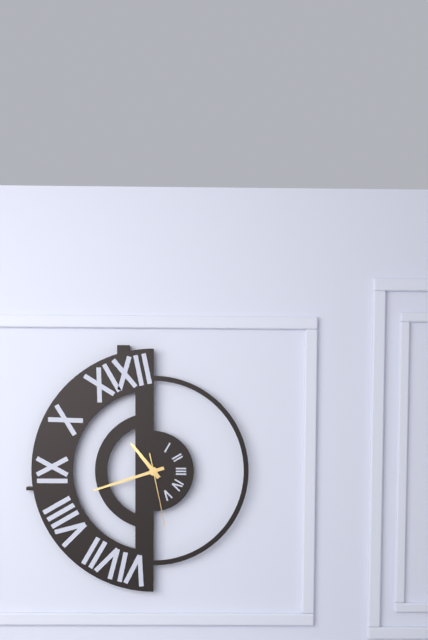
**10:42:28**
